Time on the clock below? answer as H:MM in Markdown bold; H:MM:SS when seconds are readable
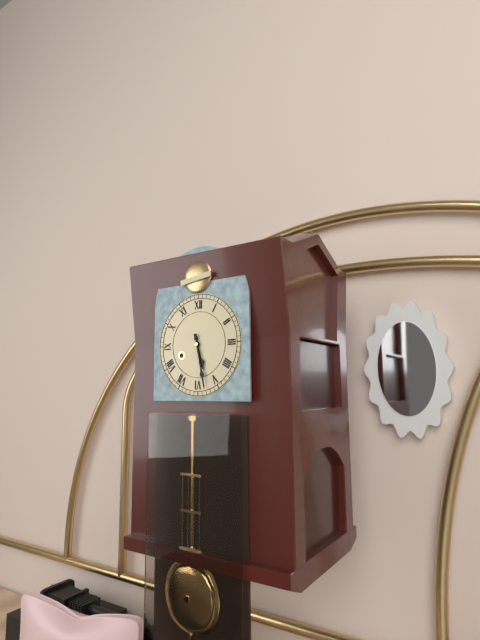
**5:28**
